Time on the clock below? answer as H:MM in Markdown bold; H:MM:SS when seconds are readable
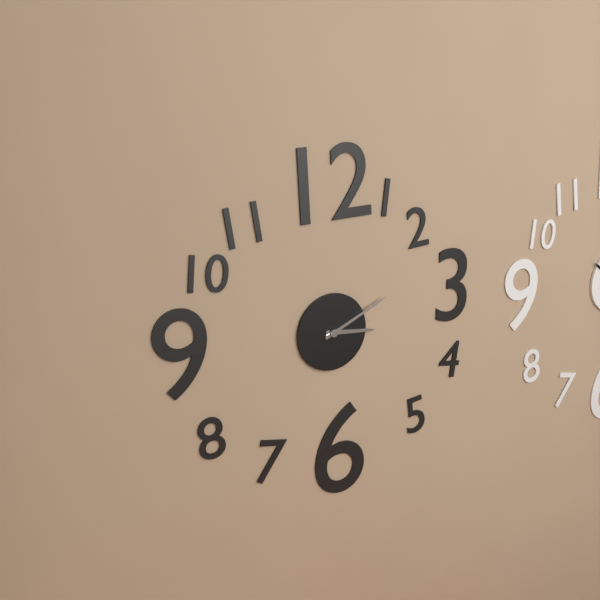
**3:11**
